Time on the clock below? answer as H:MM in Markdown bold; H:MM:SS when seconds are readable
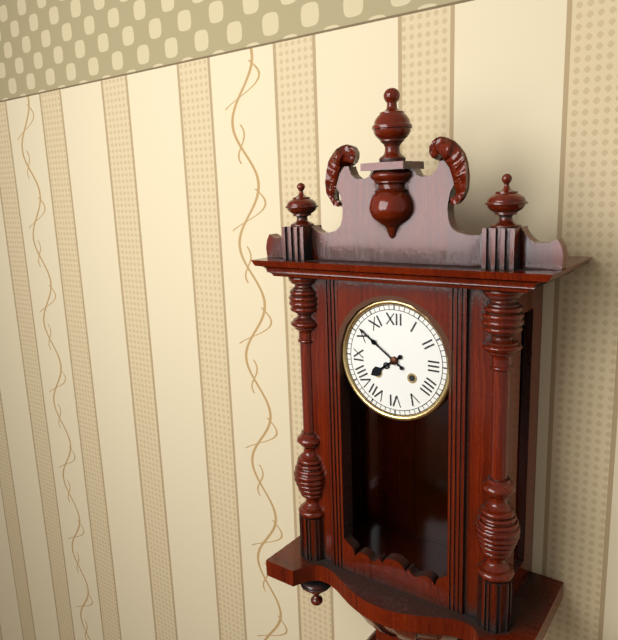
**7:51**
